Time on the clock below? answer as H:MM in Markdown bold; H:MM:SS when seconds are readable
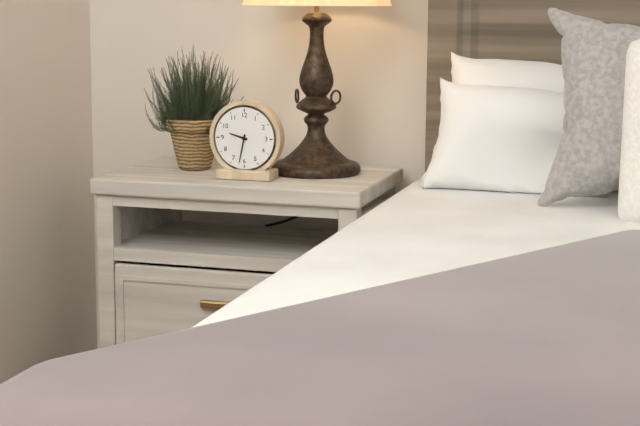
**9:32**
